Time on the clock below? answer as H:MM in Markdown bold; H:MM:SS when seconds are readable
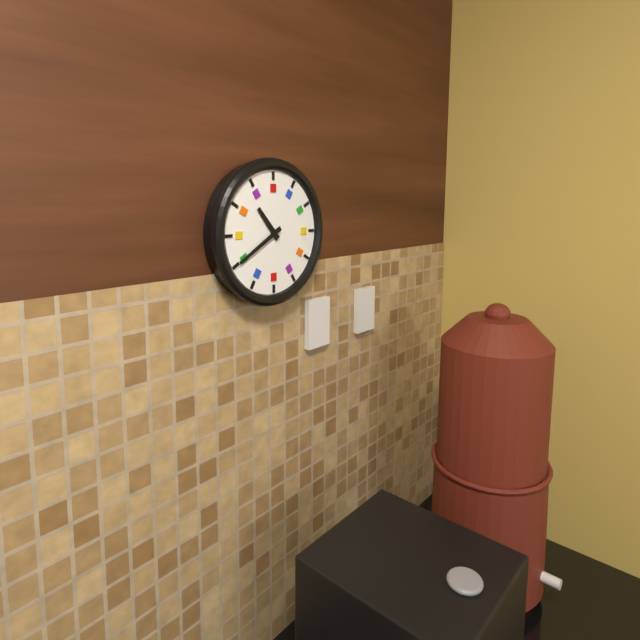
**10:40**
